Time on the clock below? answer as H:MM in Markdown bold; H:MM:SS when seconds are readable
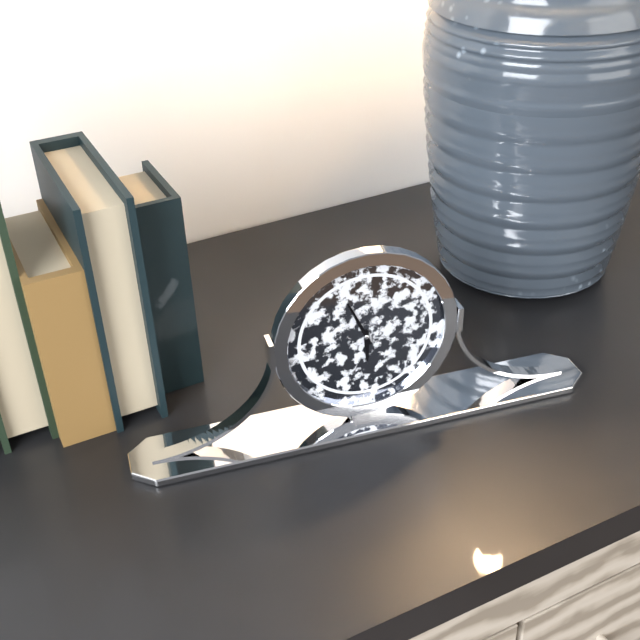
**5:56**
